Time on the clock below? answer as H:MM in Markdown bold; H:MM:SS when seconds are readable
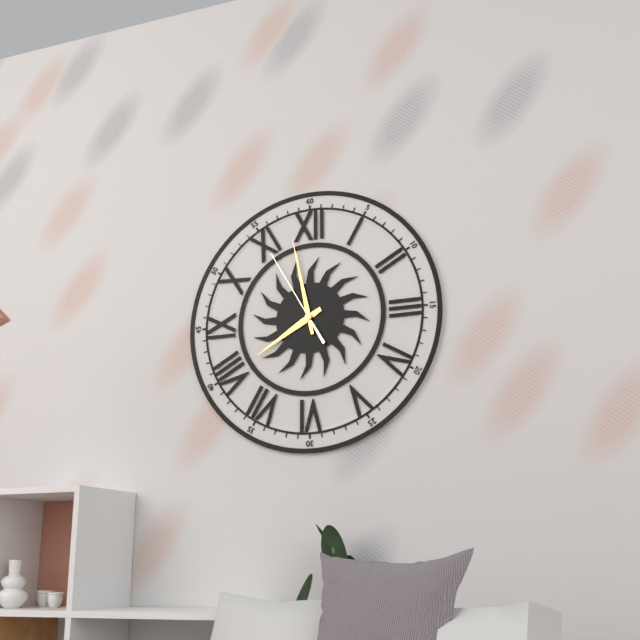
**7:58:55**
